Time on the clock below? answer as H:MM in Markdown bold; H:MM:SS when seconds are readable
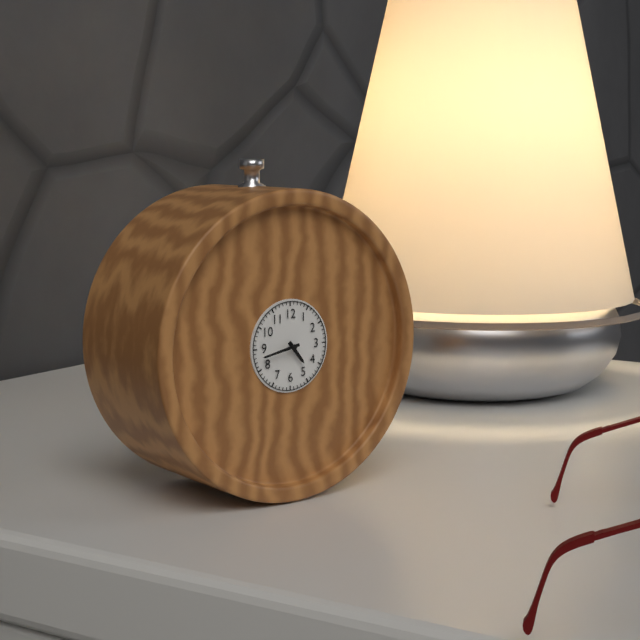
**4:43**
